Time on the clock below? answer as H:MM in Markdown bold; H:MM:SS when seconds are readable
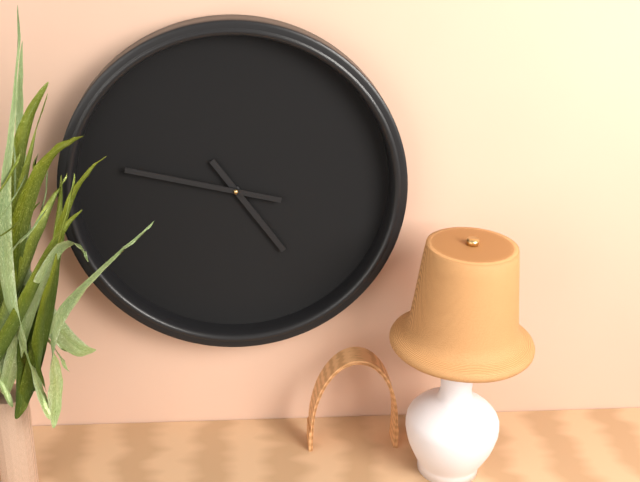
**4:47**
